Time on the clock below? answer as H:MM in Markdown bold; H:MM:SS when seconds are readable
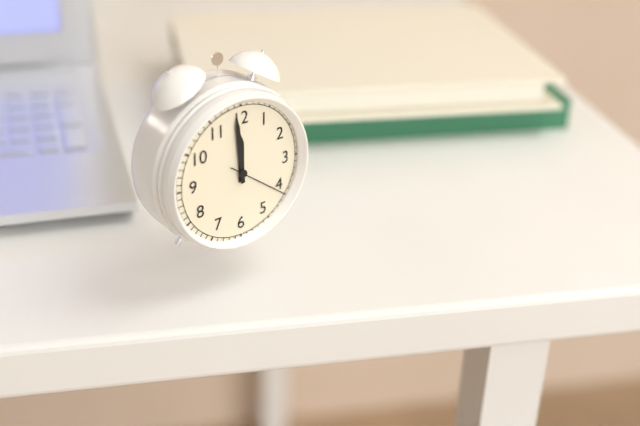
**11:59:21**
